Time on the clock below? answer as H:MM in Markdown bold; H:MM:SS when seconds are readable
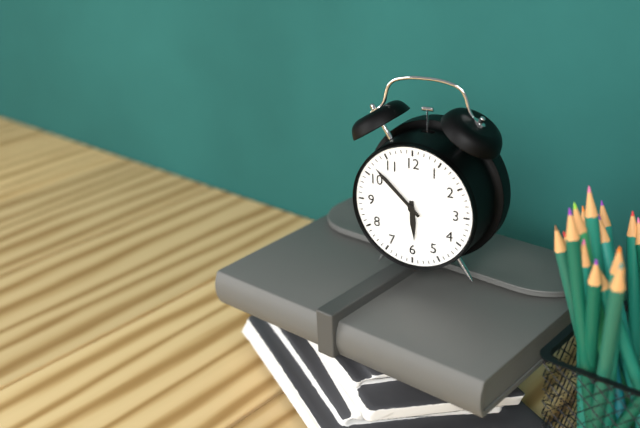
**5:52**
